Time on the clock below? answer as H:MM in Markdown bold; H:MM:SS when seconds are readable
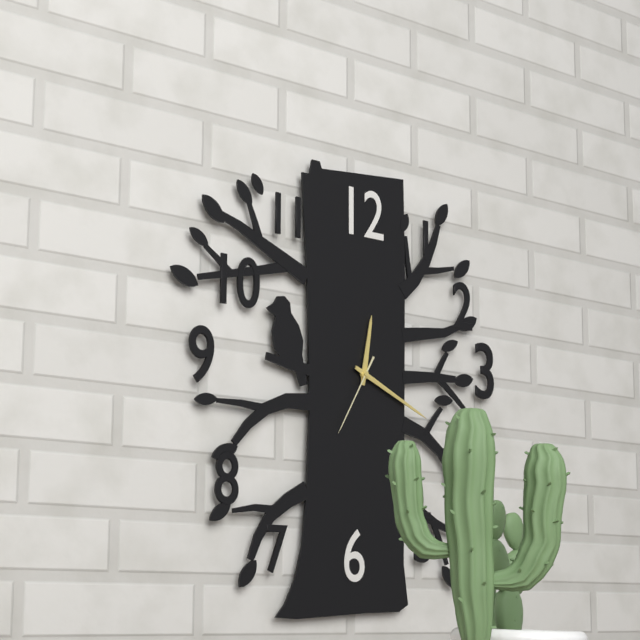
**12:19:35**
